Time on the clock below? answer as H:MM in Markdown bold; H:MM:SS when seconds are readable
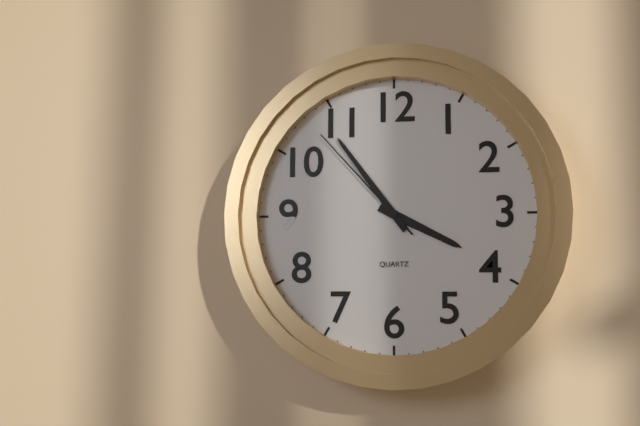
**3:54:53**
